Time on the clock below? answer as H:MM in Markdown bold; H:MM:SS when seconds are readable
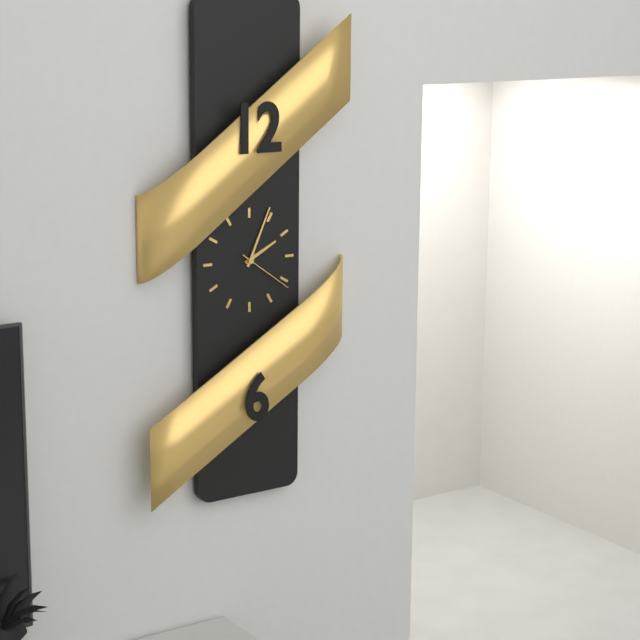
**2:04:21**
